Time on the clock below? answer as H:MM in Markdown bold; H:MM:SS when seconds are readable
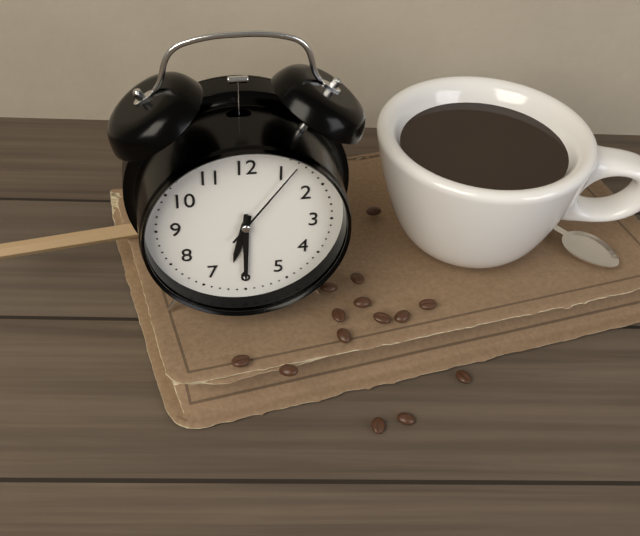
**6:30:06**
